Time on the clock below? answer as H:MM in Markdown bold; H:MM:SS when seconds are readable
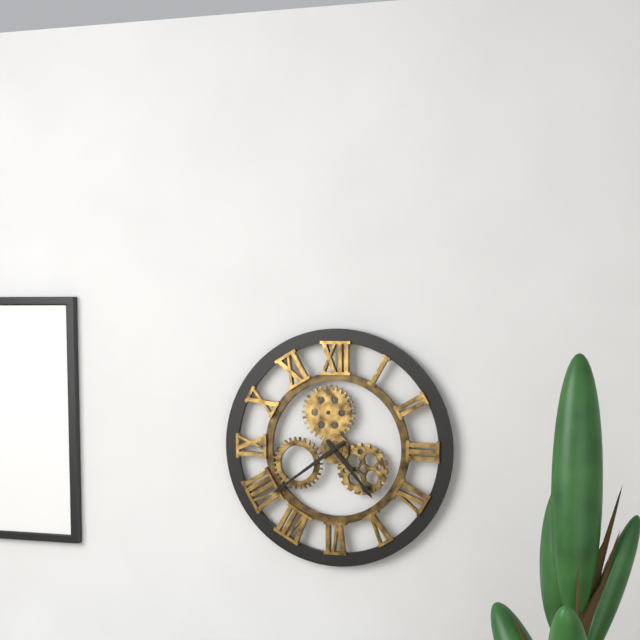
**4:39**
